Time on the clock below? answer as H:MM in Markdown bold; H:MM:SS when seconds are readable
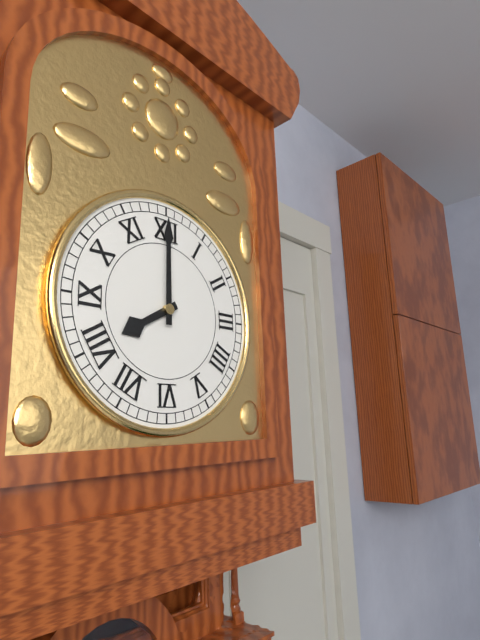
**8:00**
